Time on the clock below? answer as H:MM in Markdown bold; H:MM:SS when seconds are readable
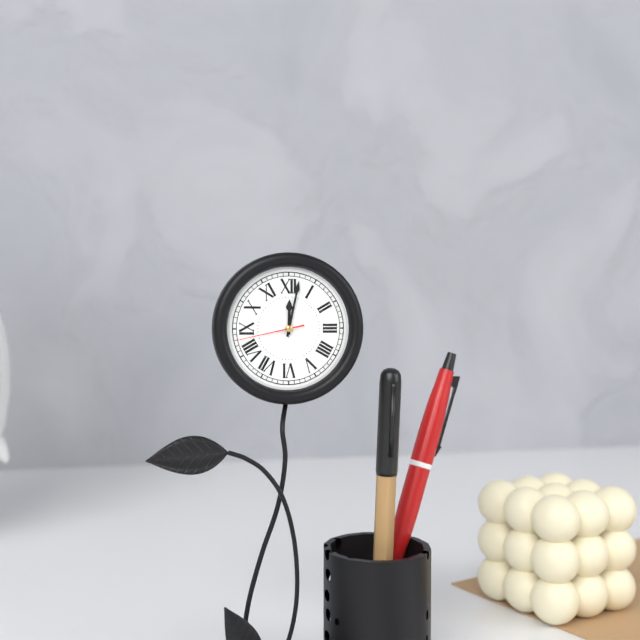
**12:02:43**
